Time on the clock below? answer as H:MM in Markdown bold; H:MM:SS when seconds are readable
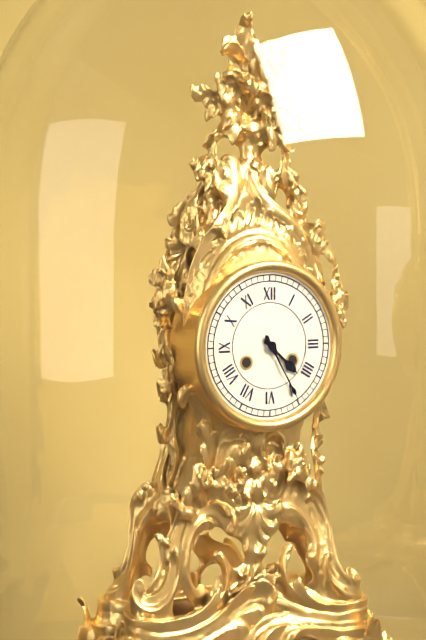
**4:25**
